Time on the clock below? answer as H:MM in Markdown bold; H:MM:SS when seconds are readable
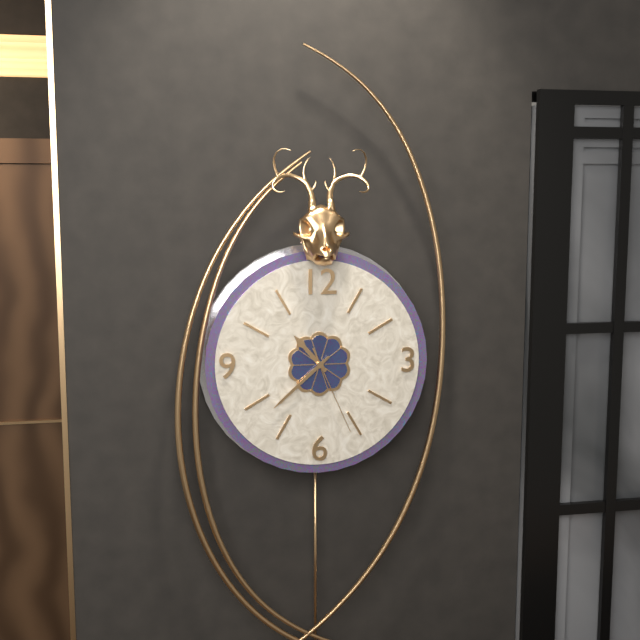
**10:38:26**
